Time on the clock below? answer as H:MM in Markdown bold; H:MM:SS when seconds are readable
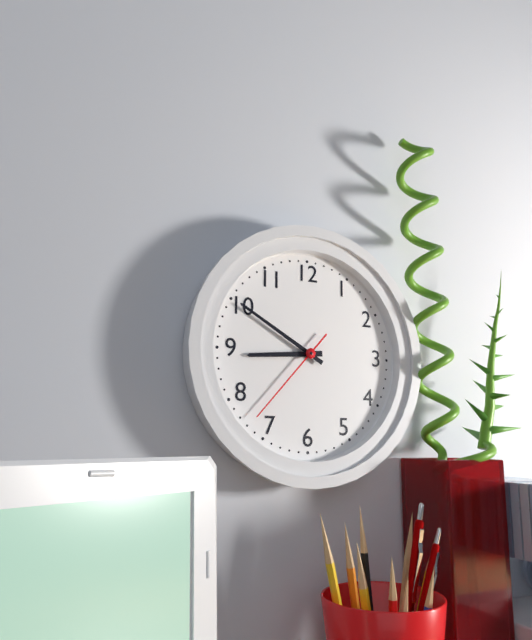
**8:50:37**
